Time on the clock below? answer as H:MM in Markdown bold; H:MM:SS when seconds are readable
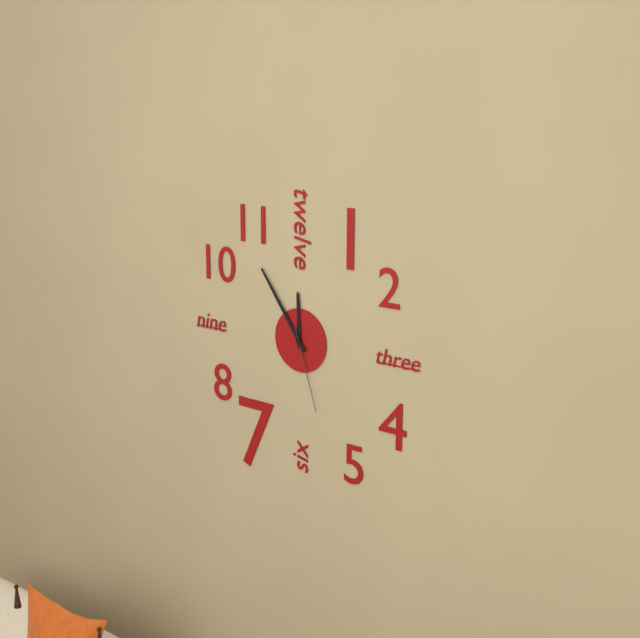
**11:54:27**
